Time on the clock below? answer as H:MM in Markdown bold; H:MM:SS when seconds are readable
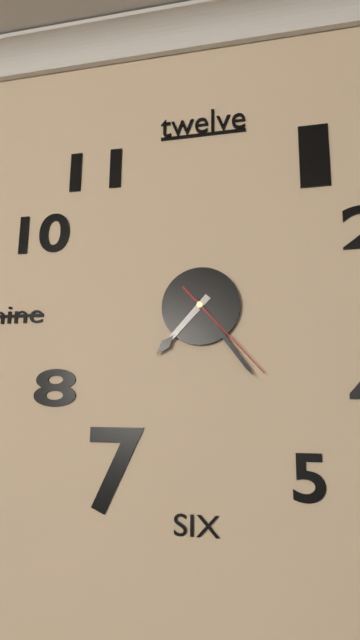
**7:24:23**
